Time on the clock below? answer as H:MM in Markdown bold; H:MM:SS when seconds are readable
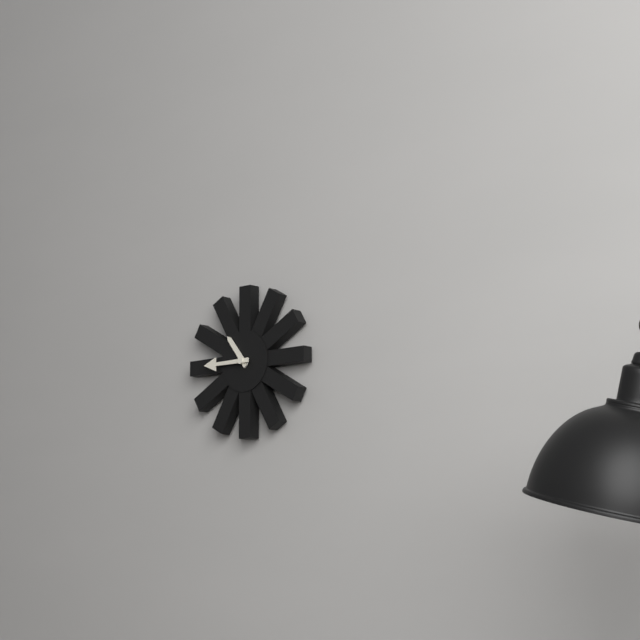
**10:45**
